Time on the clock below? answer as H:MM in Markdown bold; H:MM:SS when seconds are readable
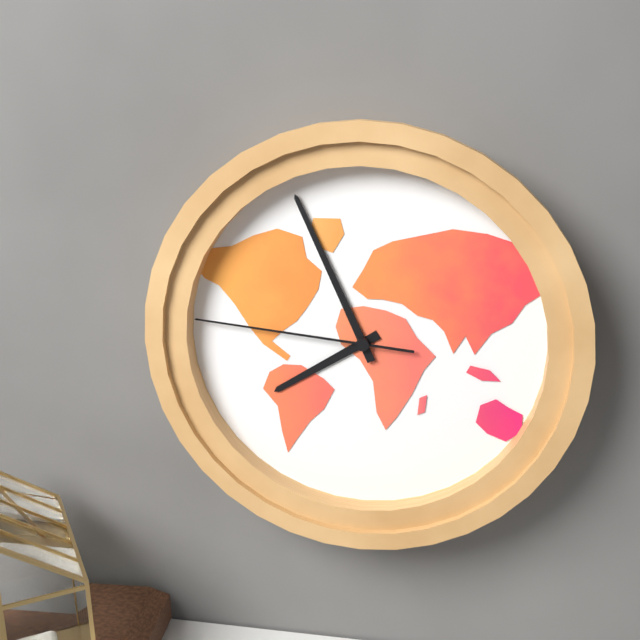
**7:56:46**
